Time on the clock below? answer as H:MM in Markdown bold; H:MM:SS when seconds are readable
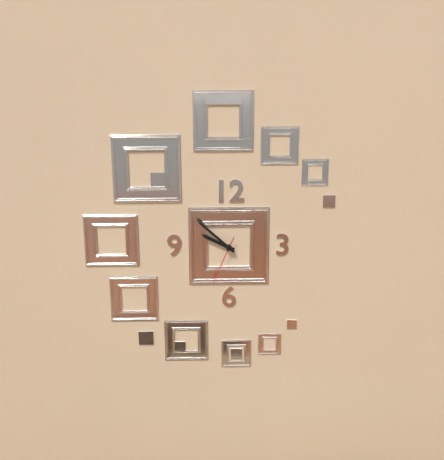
**9:52:34**
